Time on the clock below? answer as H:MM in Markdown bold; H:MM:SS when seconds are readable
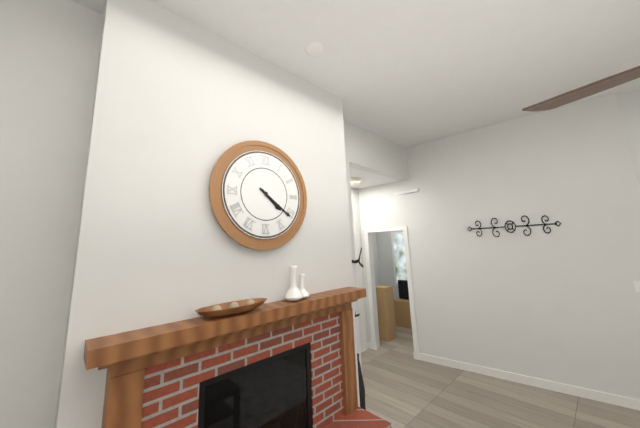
**4:21**
